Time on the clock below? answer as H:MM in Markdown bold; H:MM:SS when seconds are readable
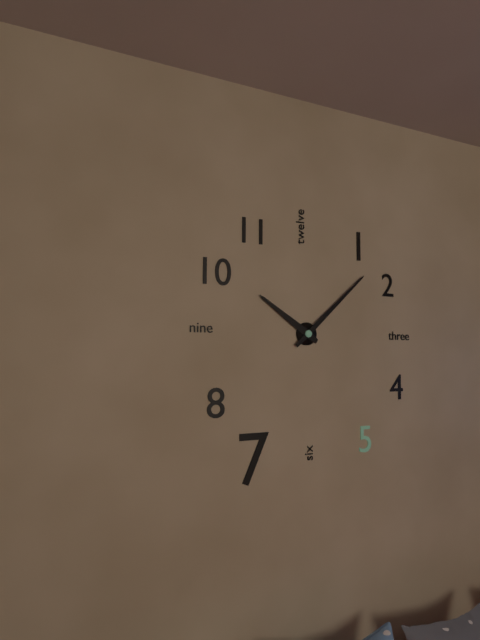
**10:08**
